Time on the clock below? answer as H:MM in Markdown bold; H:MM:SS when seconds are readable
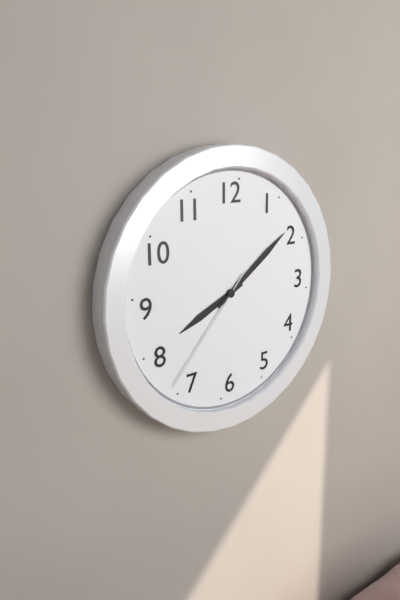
**8:09:37**
